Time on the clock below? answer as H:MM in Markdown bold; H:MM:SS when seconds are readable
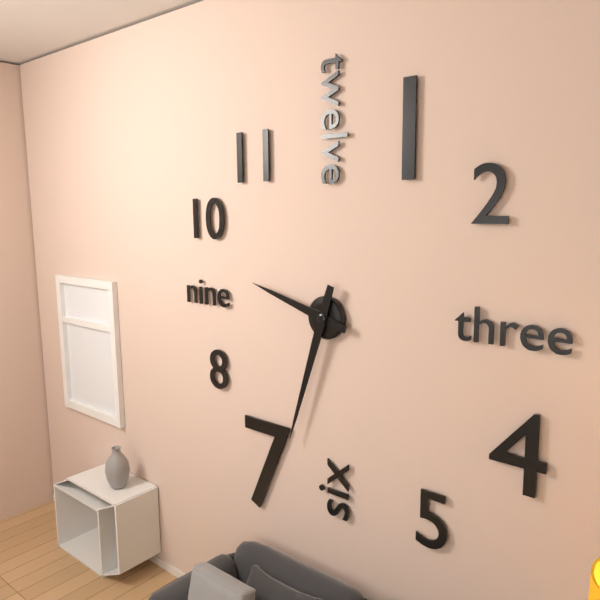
**9:33**
